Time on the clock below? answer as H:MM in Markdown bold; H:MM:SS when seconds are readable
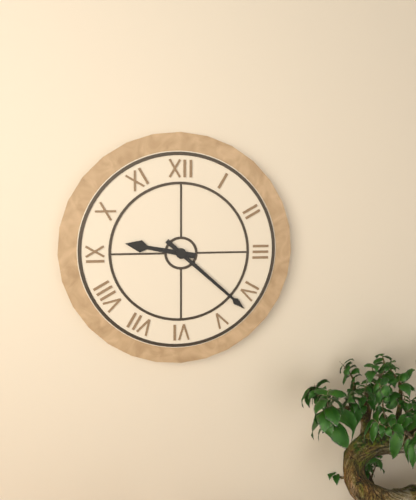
**9:22**
